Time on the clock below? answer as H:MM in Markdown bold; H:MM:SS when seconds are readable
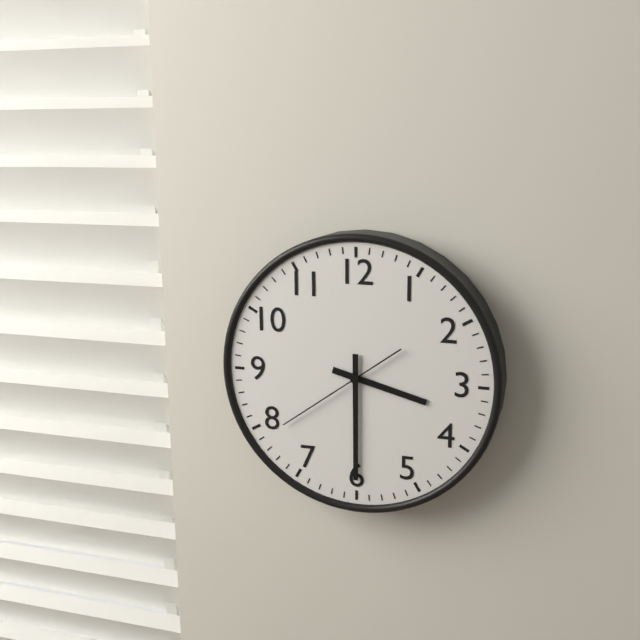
**3:30:39**
